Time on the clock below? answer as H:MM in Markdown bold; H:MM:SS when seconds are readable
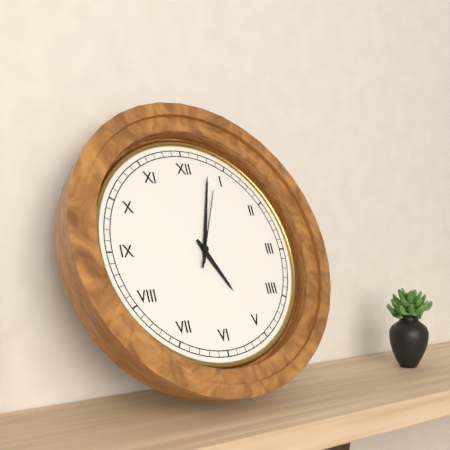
**5:03:04**
